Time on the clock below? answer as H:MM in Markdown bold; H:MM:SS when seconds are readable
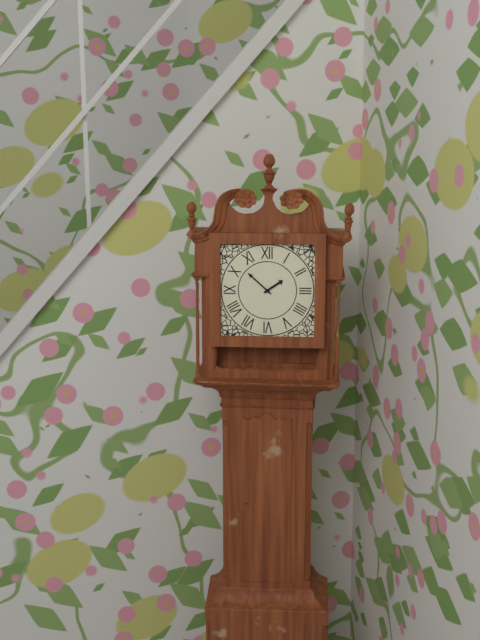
**1:52**
